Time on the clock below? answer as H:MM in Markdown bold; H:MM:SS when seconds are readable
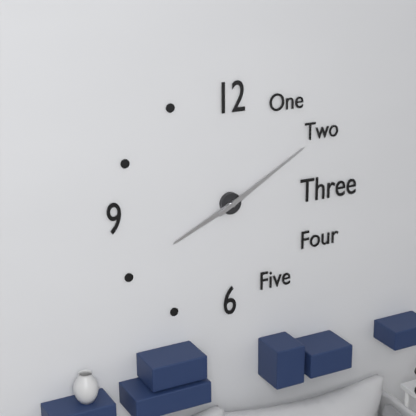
**8:10**
